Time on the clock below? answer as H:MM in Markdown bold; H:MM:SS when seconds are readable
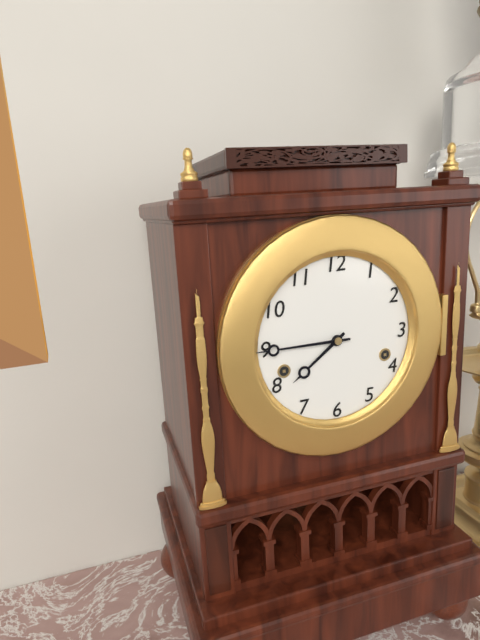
**7:45**
